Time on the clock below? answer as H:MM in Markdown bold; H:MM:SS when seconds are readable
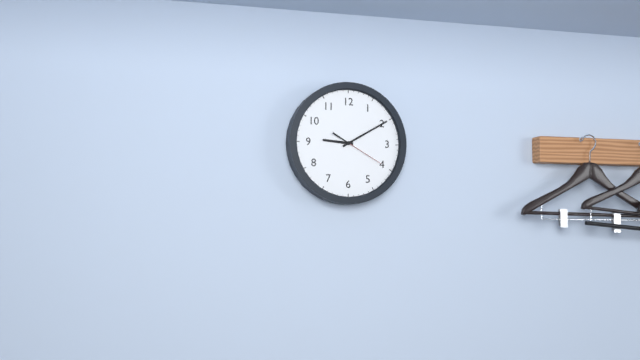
**9:10:20**
